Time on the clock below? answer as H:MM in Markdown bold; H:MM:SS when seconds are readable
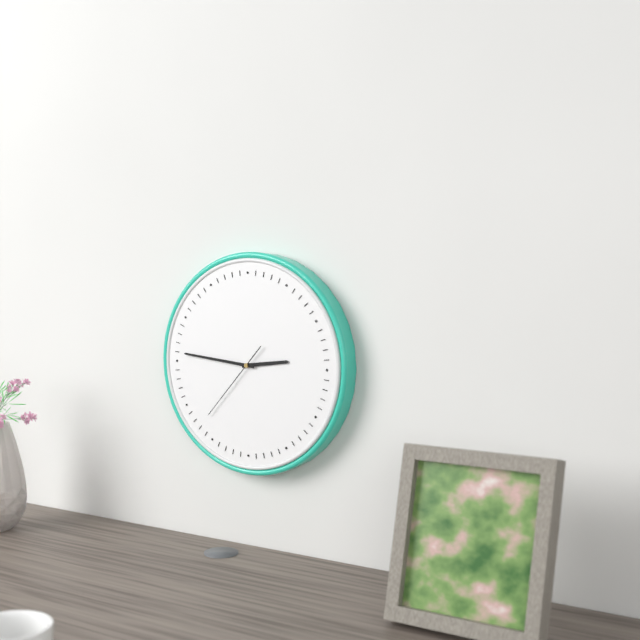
**2:46:37**
